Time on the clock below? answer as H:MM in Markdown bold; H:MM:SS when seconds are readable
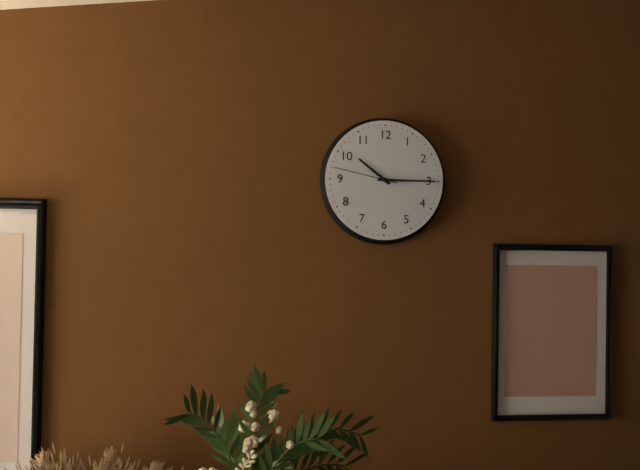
**10:15:47**
